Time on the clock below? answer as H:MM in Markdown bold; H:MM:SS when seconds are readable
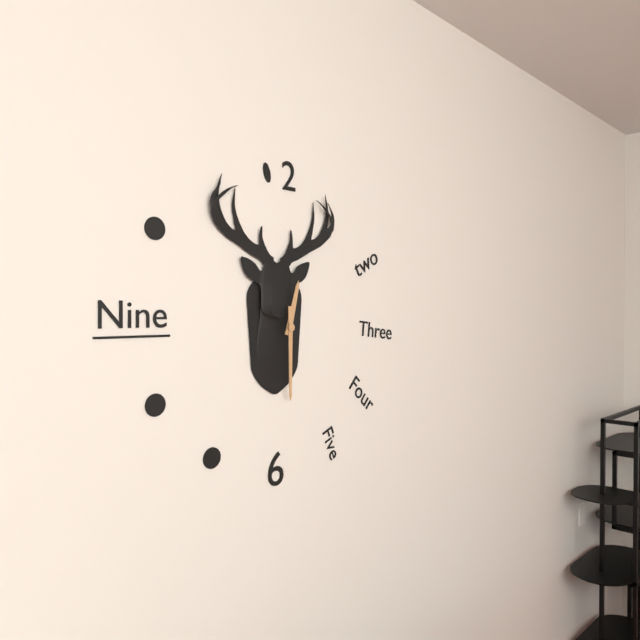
**12:30**
